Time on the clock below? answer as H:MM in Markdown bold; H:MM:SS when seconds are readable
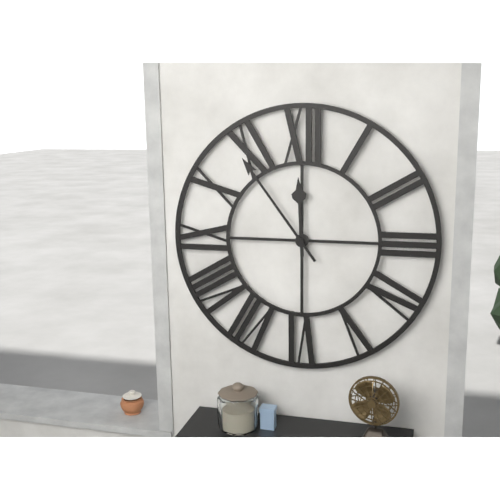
**11:54**
